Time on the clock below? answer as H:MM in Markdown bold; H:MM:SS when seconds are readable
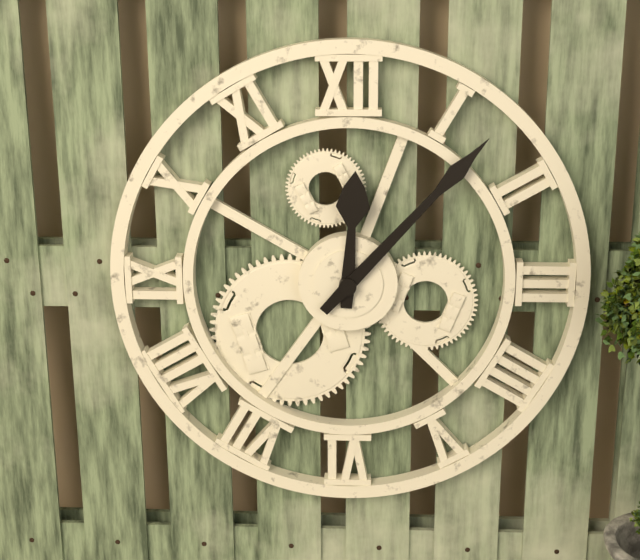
**12:07**
